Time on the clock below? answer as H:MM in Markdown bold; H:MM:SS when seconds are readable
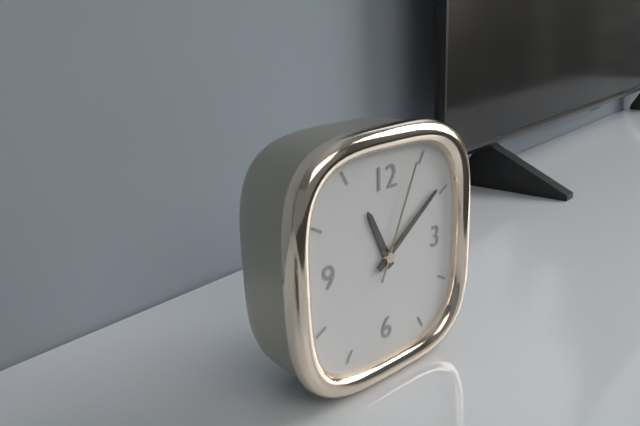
**11:09:04**
